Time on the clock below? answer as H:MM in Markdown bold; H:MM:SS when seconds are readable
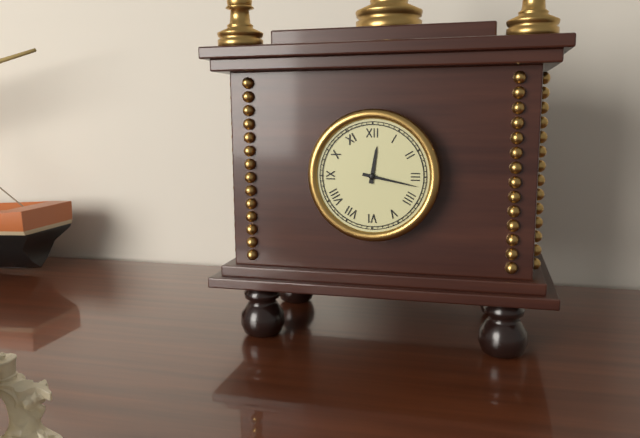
**12:17**
